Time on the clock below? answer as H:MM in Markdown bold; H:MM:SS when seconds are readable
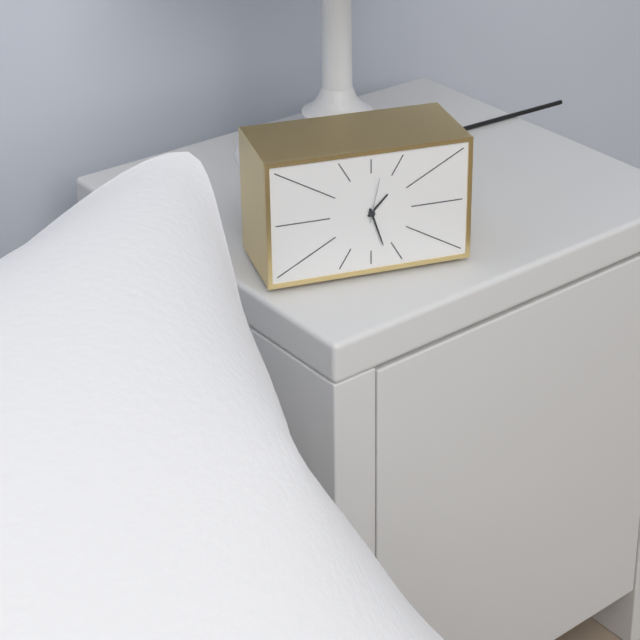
**1:27**
